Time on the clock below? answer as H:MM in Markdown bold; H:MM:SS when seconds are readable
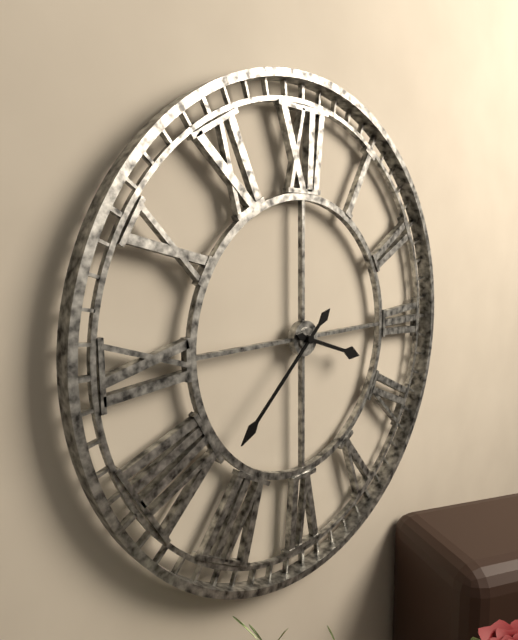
**3:38**
